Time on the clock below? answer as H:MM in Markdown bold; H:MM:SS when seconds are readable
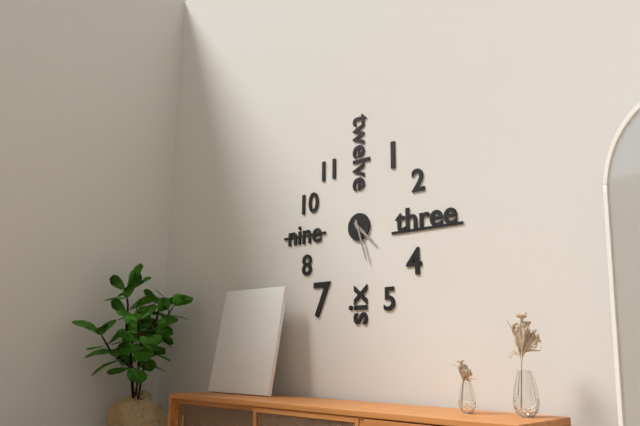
**4:27**
